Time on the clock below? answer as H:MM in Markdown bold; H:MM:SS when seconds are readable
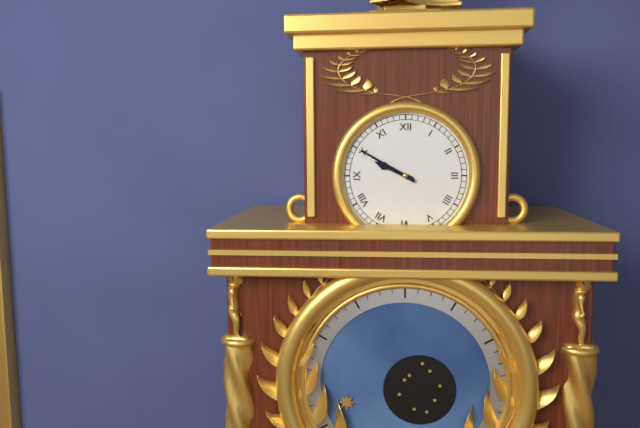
**9:50**
